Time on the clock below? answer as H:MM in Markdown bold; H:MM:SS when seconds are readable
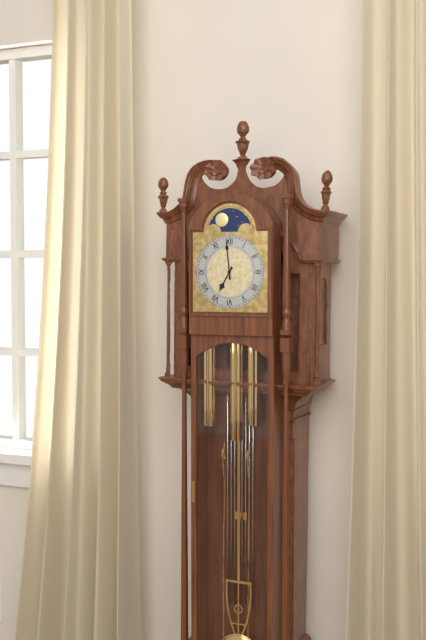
**6:59**
